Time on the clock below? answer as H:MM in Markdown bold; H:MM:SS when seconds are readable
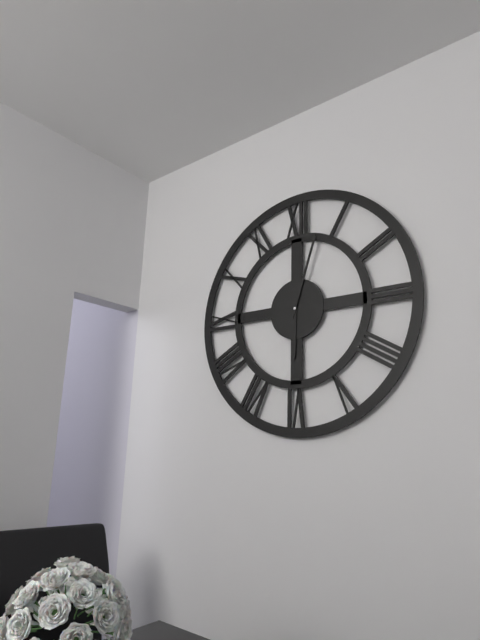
**6:03**
